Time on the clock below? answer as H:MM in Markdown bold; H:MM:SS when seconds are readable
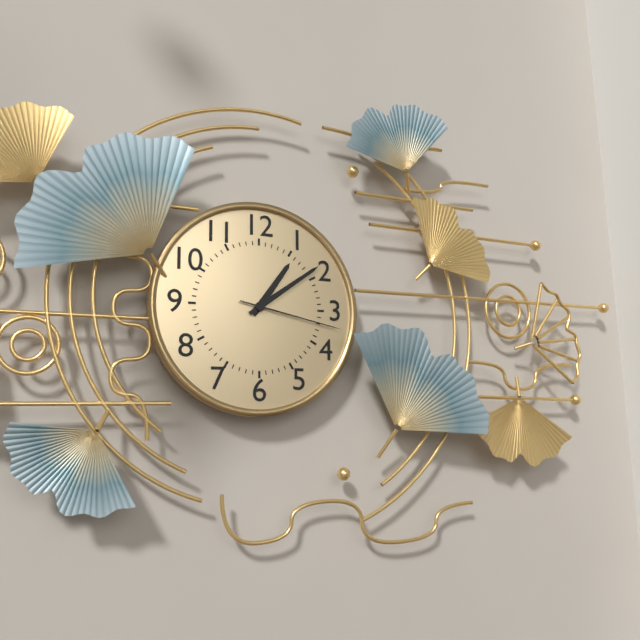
**1:09:17**
